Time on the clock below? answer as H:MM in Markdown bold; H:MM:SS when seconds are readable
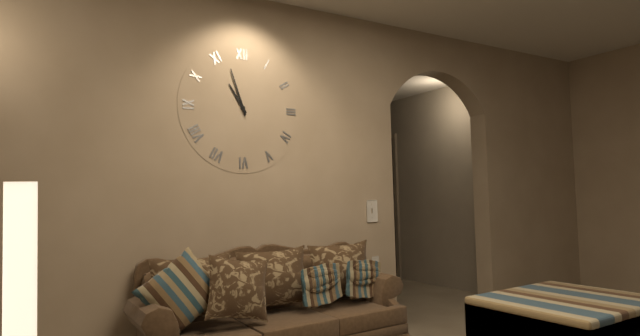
**10:57**
